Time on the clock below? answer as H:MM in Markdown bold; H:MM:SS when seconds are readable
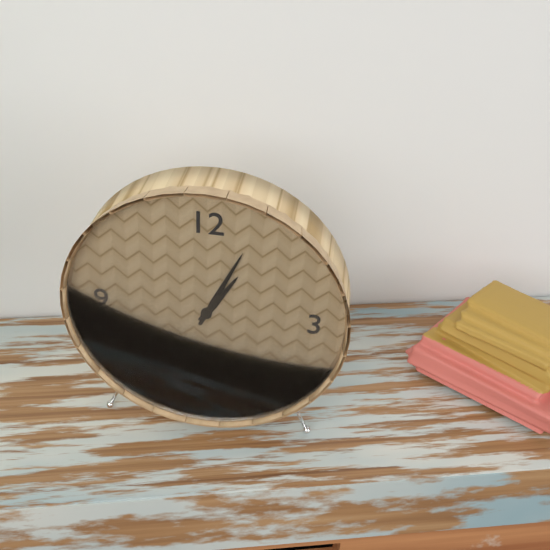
**1:04**
